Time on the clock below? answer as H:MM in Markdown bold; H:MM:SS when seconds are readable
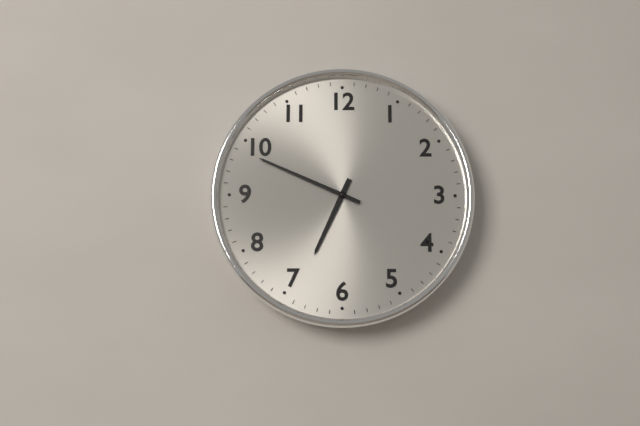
**6:49**
